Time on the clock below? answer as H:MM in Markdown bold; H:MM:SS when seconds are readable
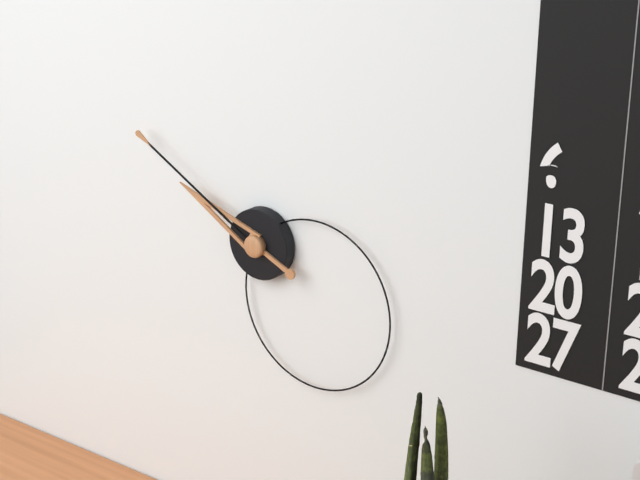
**9:50**
